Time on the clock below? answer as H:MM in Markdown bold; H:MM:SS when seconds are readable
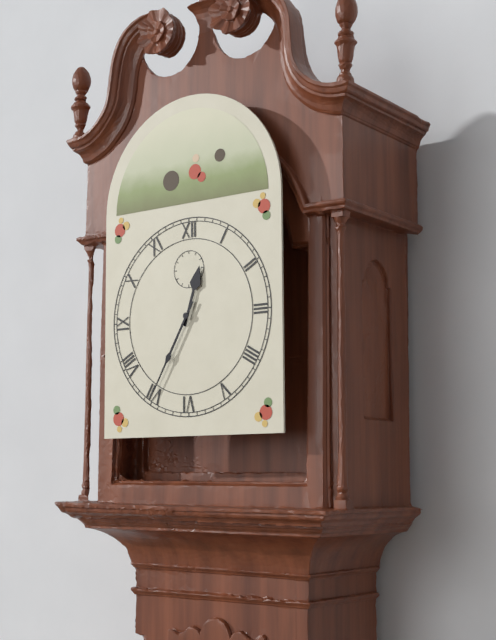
**12:35**
